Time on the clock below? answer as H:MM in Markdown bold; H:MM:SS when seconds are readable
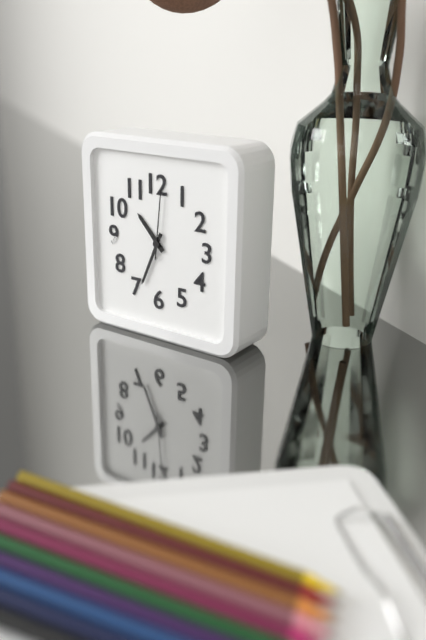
**10:34:01**
